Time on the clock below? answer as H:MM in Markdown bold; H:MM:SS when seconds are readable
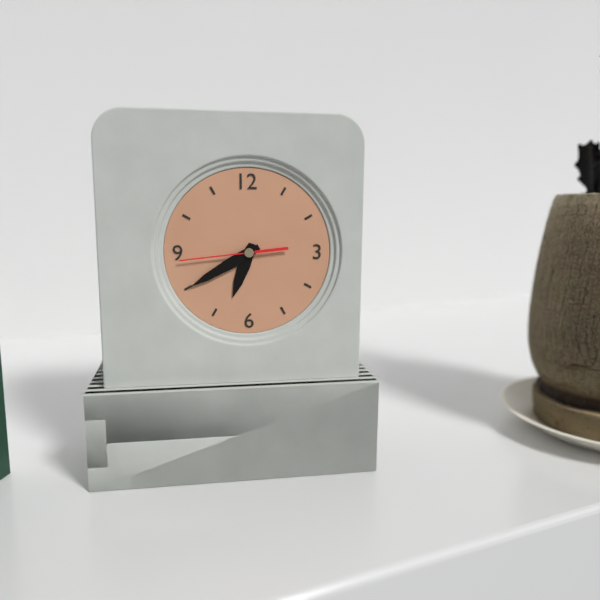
**6:40:44**
